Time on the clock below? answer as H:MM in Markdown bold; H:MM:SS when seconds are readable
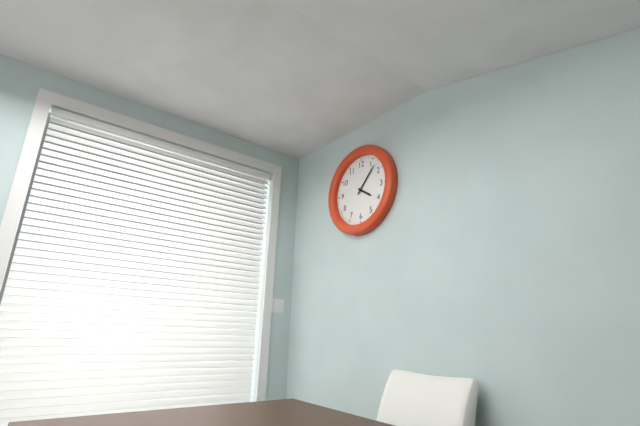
**4:07**
